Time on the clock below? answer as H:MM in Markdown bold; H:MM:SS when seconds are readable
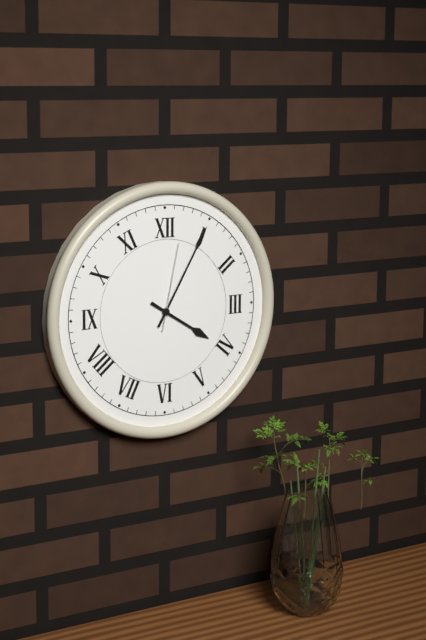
**4:05:02**
